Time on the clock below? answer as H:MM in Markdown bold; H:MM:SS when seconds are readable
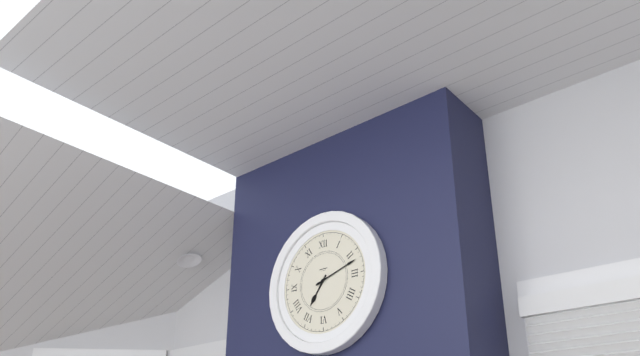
**7:12**
